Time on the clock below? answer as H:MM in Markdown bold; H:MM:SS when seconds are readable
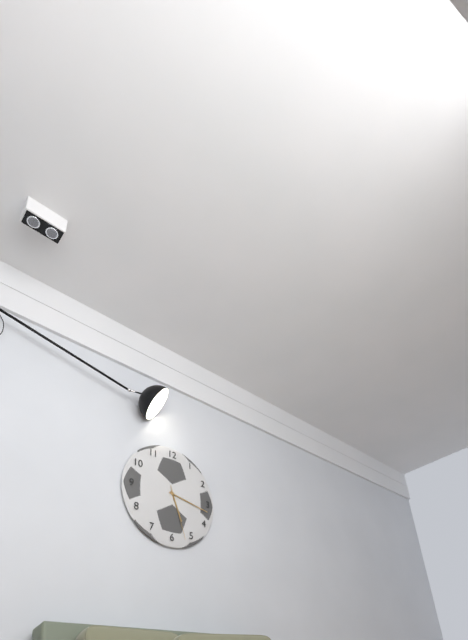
**5:17:27**
